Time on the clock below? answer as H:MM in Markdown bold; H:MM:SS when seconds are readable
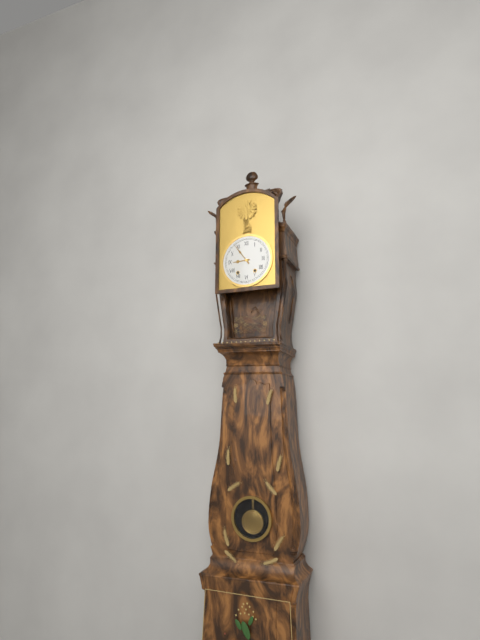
**8:54**
